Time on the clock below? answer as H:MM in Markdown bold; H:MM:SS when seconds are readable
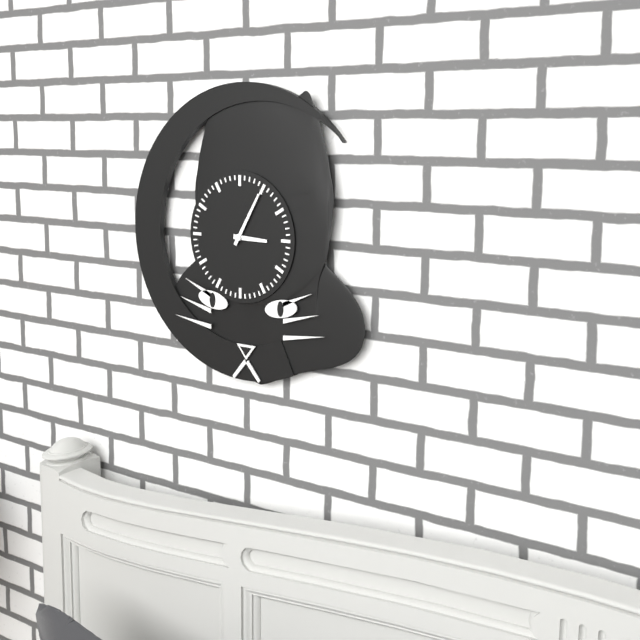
**3:05**
